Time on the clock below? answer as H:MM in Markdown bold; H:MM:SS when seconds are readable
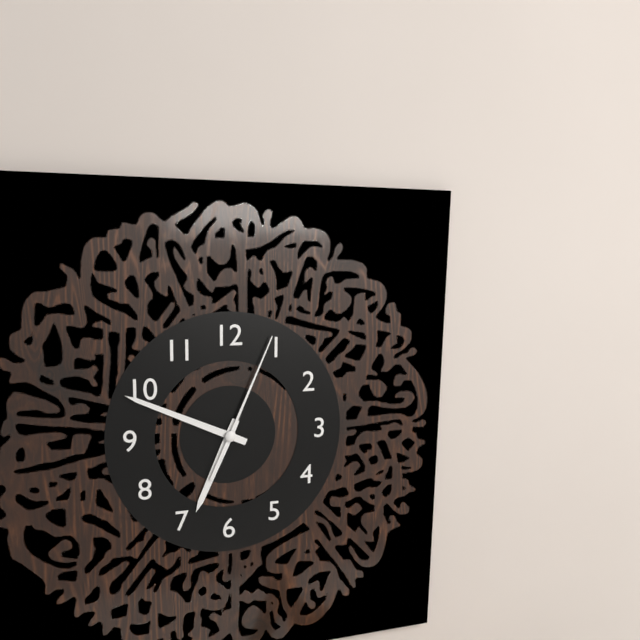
**6:49:04**
